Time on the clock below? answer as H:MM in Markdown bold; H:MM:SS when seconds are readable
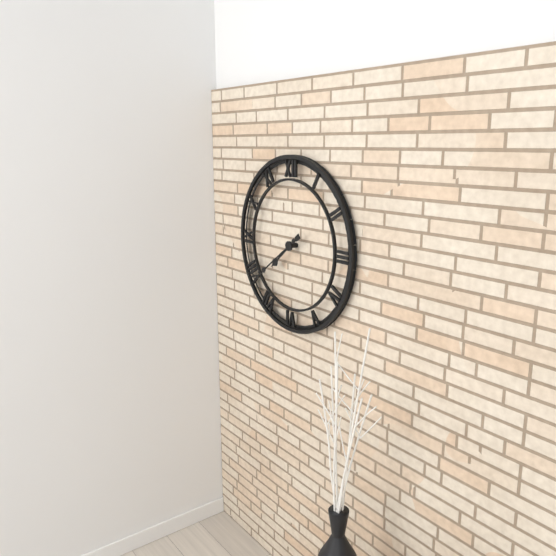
**7:39**
